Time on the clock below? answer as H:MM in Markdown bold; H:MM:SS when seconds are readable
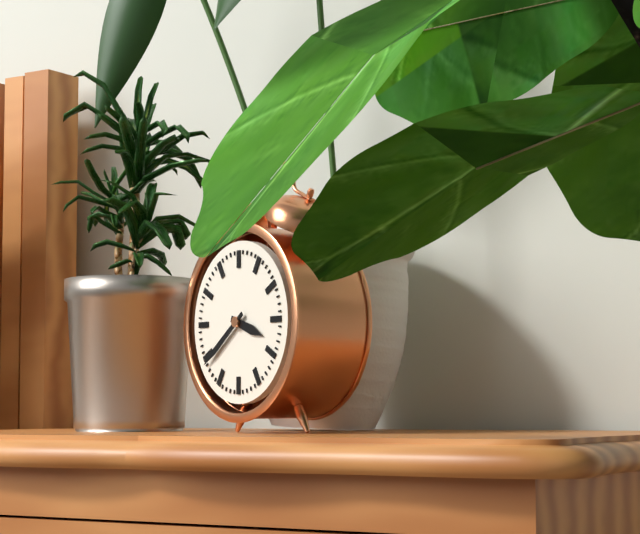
**3:39**
